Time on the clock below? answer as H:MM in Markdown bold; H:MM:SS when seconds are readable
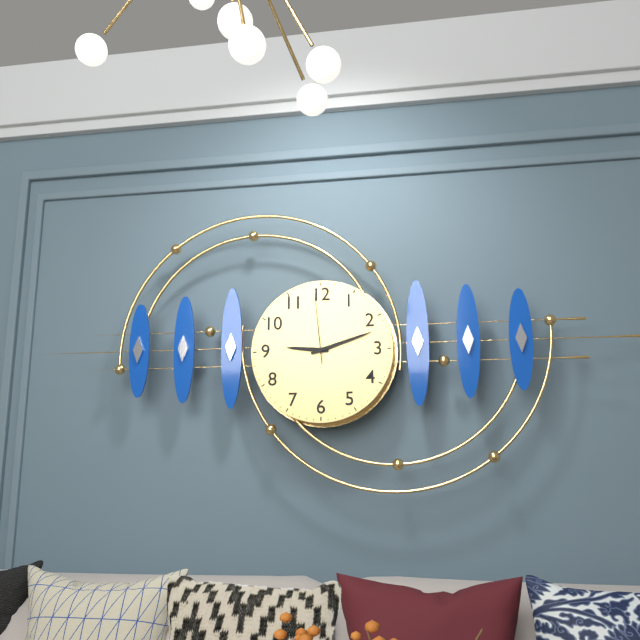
**9:12:59**
